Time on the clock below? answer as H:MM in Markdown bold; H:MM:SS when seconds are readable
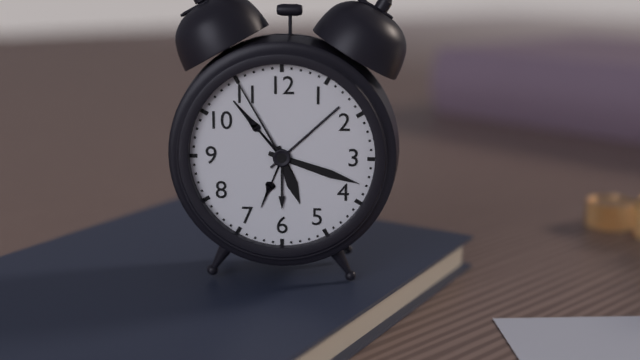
**5:18:55**
